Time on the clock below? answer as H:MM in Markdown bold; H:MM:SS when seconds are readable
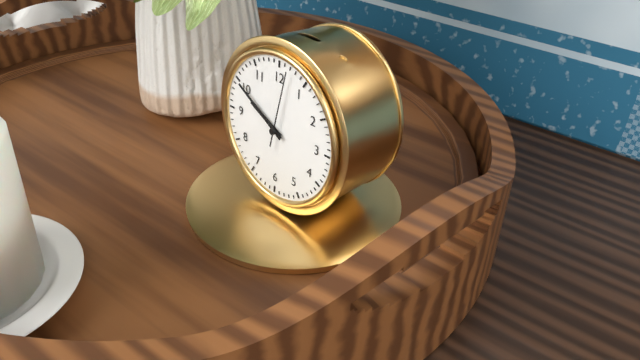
**9:50:02**
